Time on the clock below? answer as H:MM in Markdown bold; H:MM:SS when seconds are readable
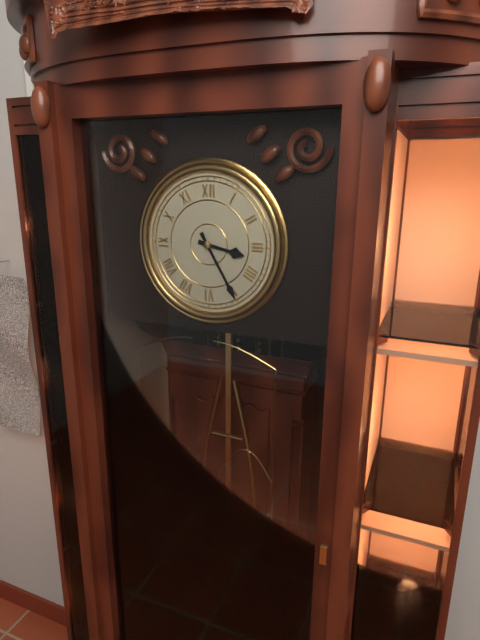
**3:25**
